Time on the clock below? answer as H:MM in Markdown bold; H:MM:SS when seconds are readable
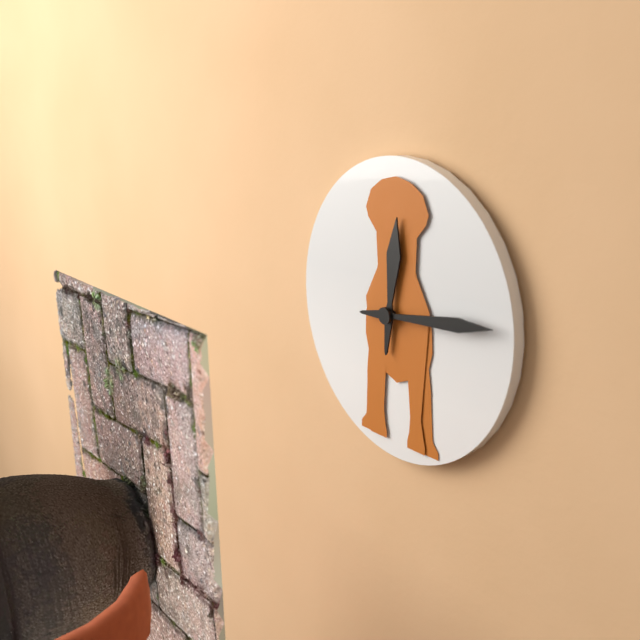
**12:14**
